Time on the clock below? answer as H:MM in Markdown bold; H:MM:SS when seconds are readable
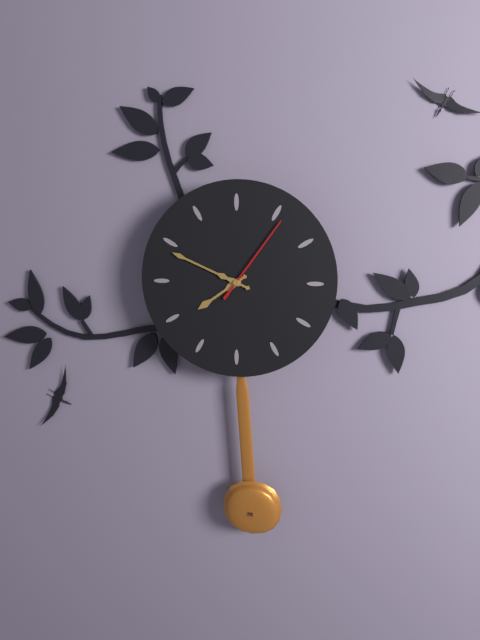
**7:49:06**
